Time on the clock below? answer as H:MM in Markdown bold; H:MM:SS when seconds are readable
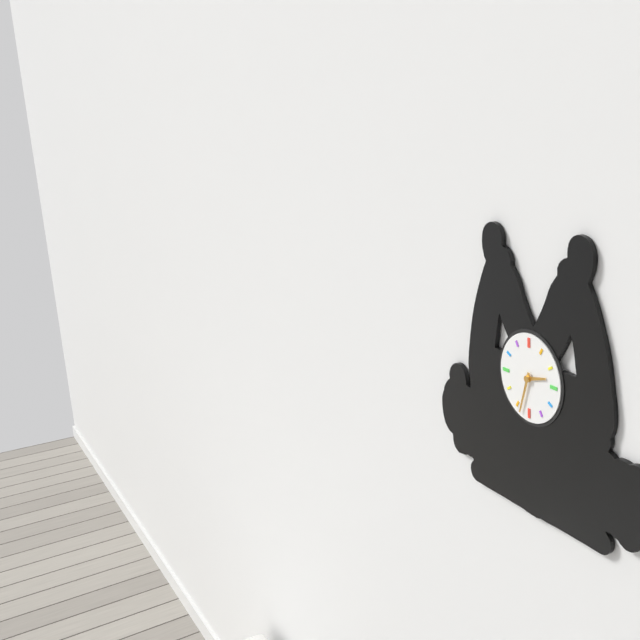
**2:33**
